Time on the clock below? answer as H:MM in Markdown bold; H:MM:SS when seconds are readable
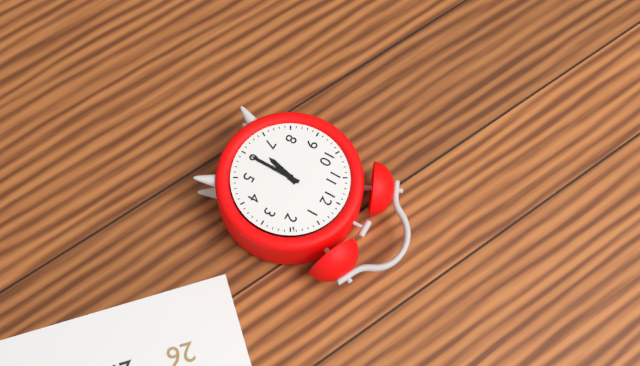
**6:30**
